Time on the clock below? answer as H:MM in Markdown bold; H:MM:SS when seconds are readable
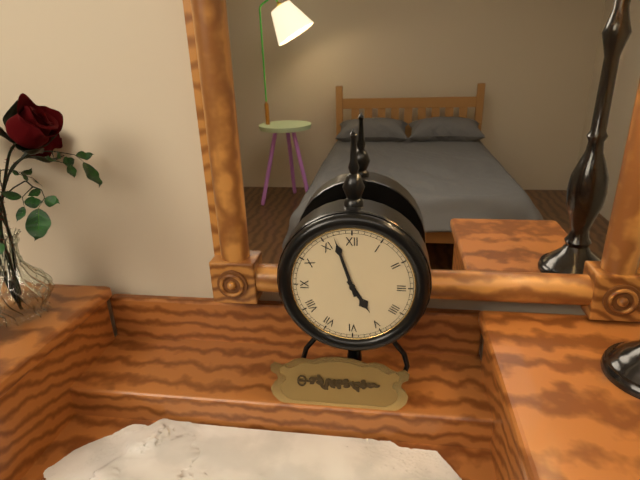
**4:57**
